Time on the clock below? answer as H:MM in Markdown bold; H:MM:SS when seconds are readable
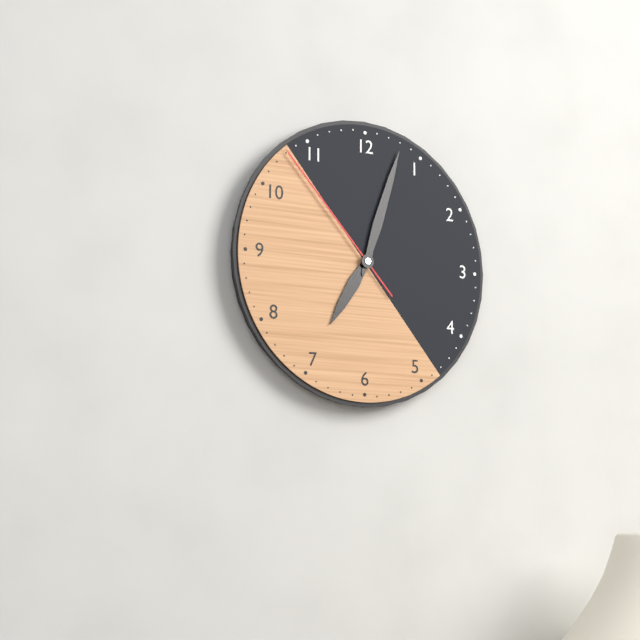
**7:03:53**
